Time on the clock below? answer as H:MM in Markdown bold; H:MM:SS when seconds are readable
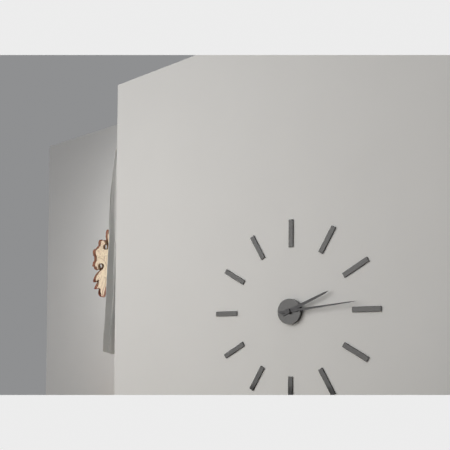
**2:14**
